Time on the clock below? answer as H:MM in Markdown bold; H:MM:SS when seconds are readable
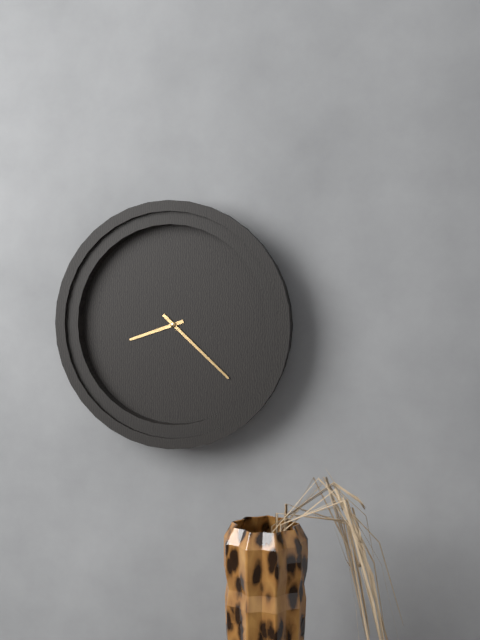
**8:22**
